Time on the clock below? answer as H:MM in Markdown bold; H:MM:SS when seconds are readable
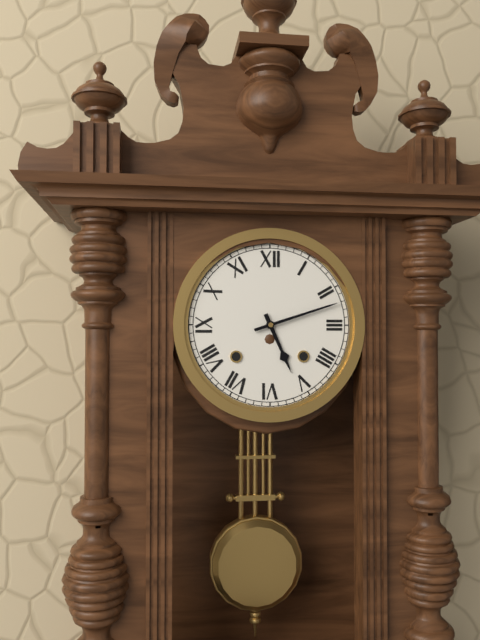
**5:12**
